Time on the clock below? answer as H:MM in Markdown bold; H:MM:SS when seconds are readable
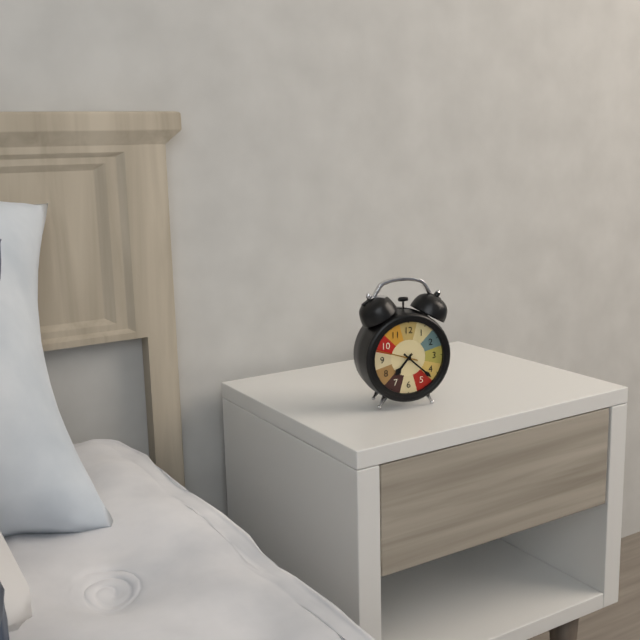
**7:22**
